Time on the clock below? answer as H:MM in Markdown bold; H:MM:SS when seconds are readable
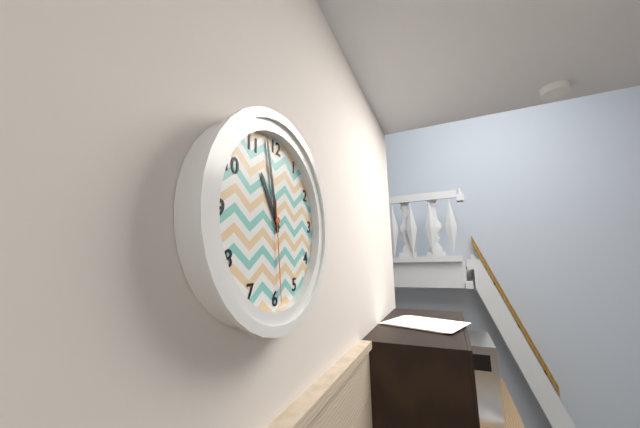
**10:58:29**
